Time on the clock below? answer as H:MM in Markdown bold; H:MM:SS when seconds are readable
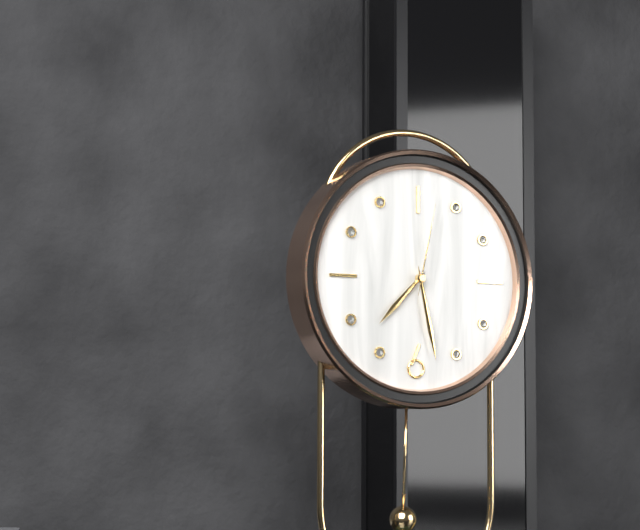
**7:28:02**
